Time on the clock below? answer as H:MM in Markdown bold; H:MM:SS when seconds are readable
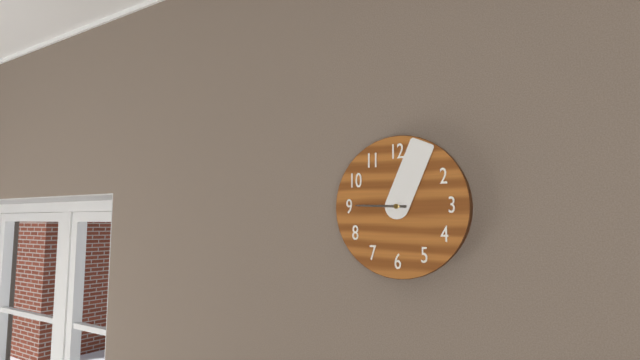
**9:04**
